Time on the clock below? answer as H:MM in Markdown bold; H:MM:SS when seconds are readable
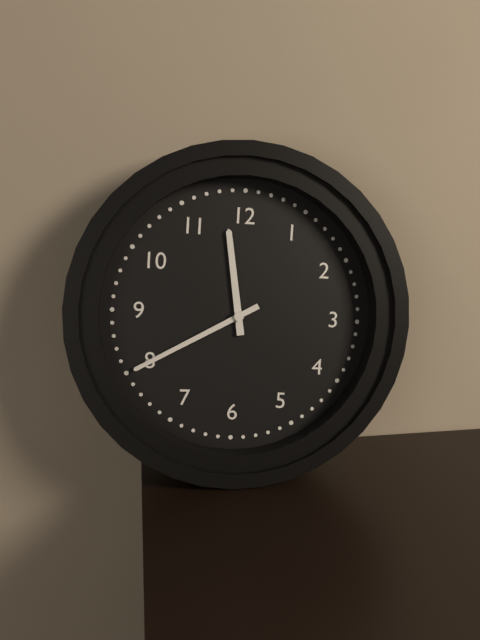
**11:40**
